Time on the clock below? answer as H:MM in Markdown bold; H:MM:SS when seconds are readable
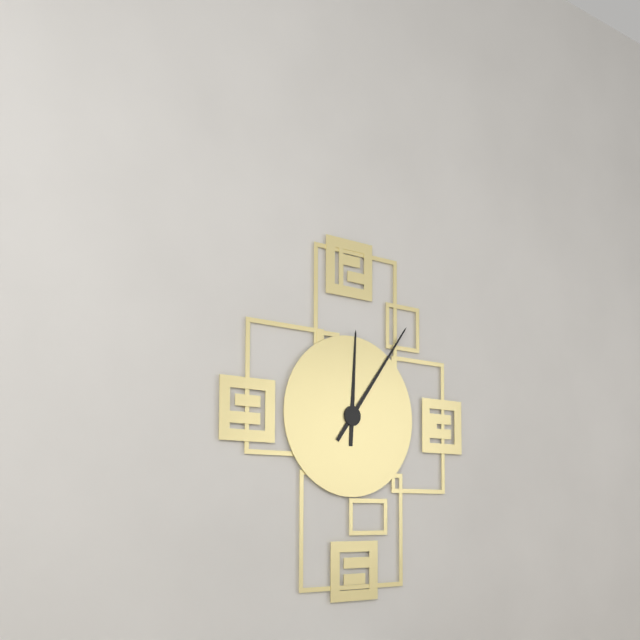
**12:06**
